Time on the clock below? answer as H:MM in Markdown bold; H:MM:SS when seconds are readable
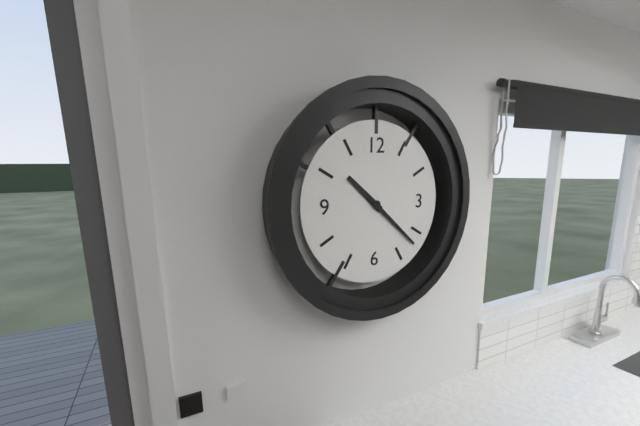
**10:22**
